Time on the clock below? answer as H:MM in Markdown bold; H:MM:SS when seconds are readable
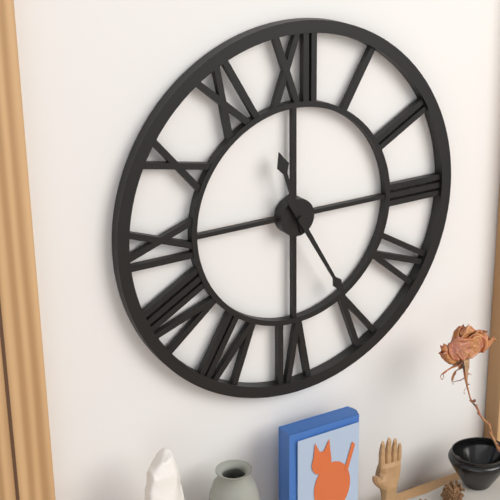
**11:25**
